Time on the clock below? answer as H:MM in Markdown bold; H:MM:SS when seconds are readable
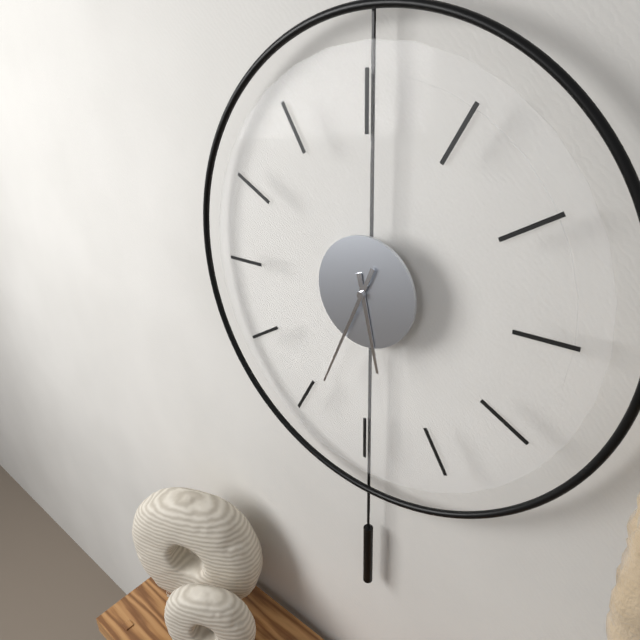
**5:34**
